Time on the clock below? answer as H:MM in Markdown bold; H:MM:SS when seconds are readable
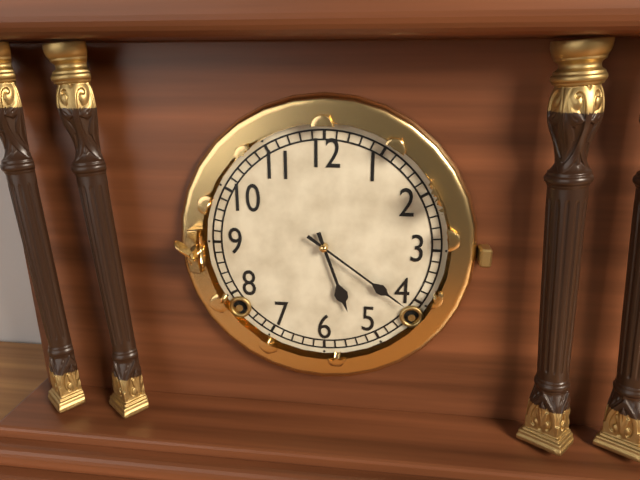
**5:21**
